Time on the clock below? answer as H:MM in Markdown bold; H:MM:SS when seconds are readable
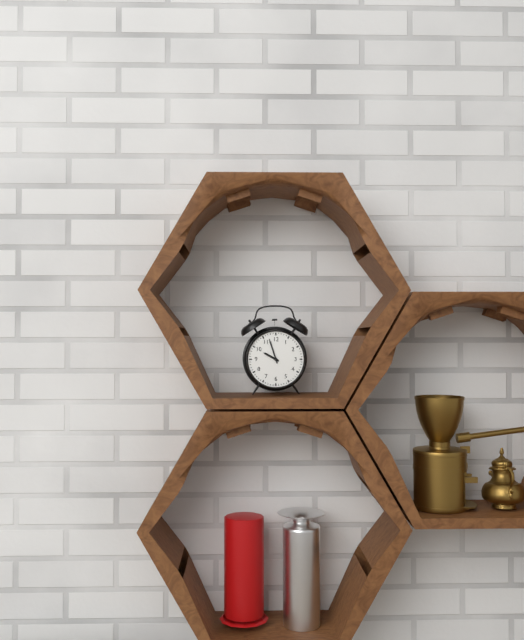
**9:57**
